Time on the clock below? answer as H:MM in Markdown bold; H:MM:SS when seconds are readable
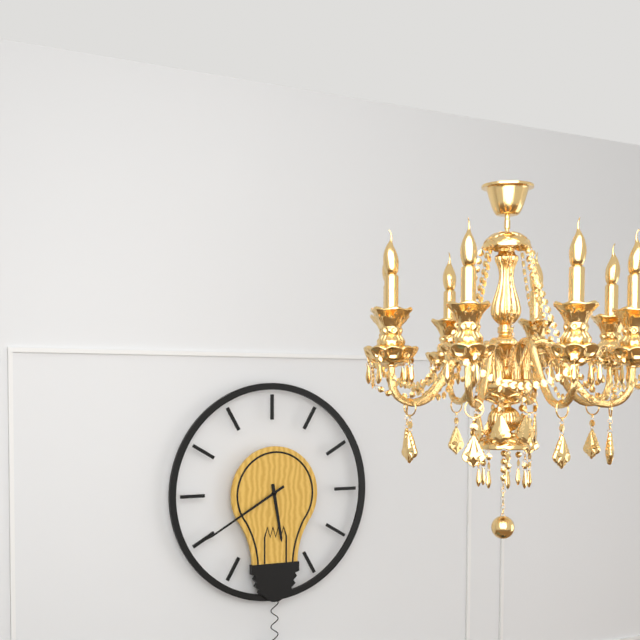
**5:40**
